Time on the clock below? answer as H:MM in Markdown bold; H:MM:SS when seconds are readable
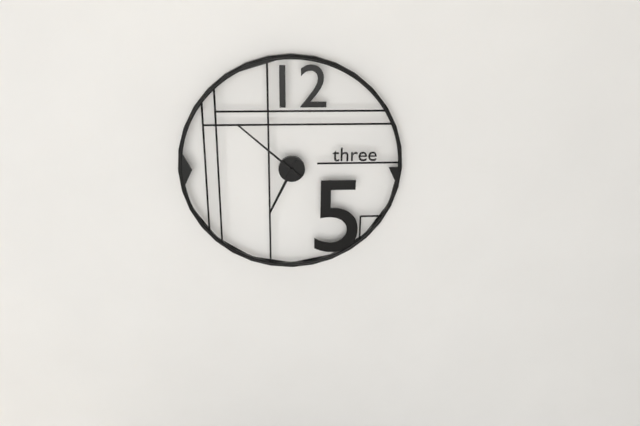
**6:52**
